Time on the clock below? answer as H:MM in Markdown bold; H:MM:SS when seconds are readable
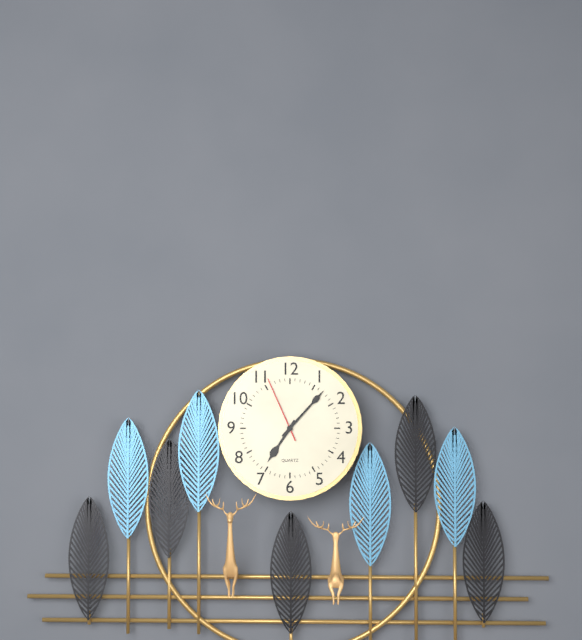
**7:07:56**
